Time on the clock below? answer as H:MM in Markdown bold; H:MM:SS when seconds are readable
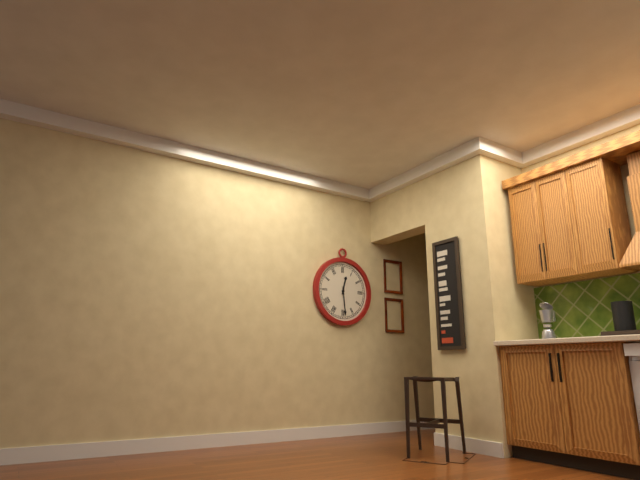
**12:29**
